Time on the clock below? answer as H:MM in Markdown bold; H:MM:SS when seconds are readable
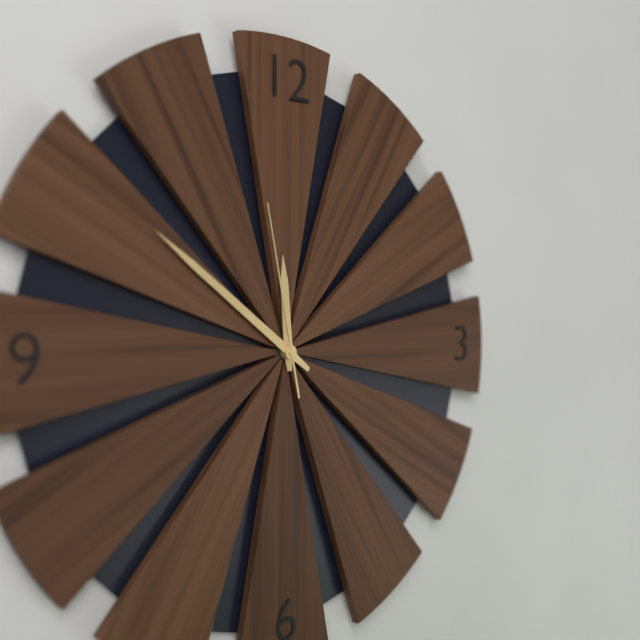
**11:51:58**
